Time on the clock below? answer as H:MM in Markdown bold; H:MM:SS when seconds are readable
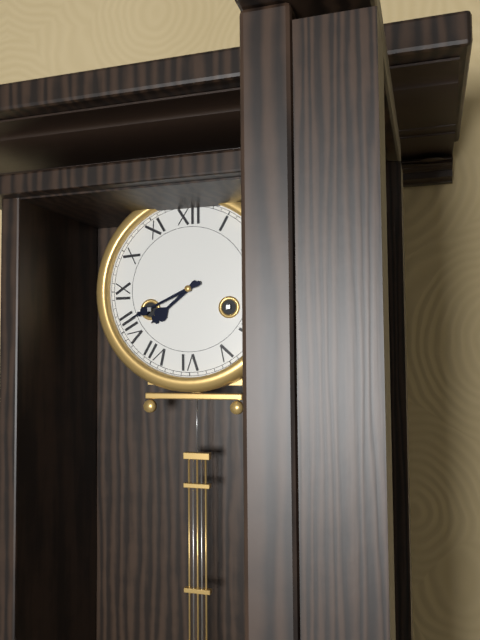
**7:41**
